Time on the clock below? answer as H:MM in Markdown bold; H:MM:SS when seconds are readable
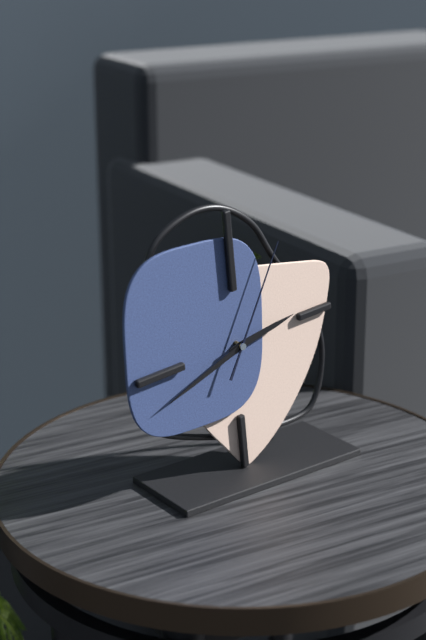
**2:42:05**
